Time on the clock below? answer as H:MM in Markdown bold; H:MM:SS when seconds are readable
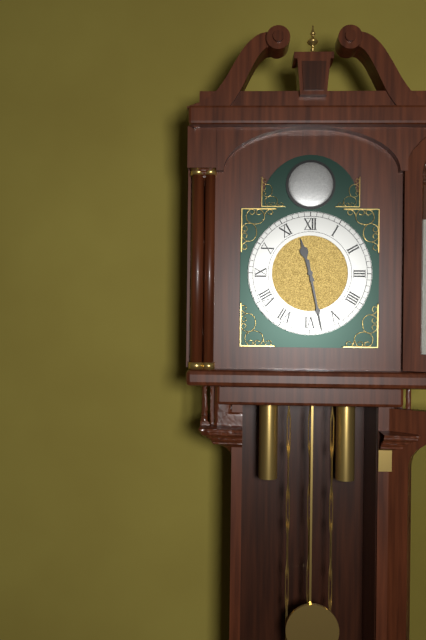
**11:28**
